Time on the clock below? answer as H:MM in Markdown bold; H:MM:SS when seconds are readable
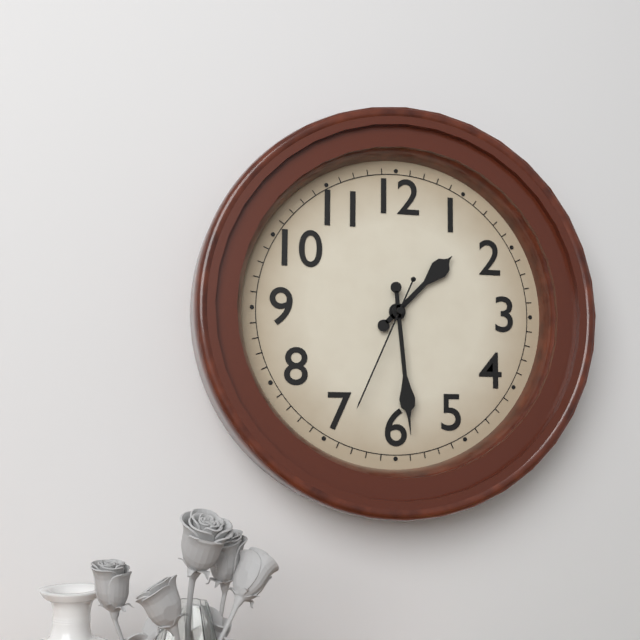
**1:29:34**
